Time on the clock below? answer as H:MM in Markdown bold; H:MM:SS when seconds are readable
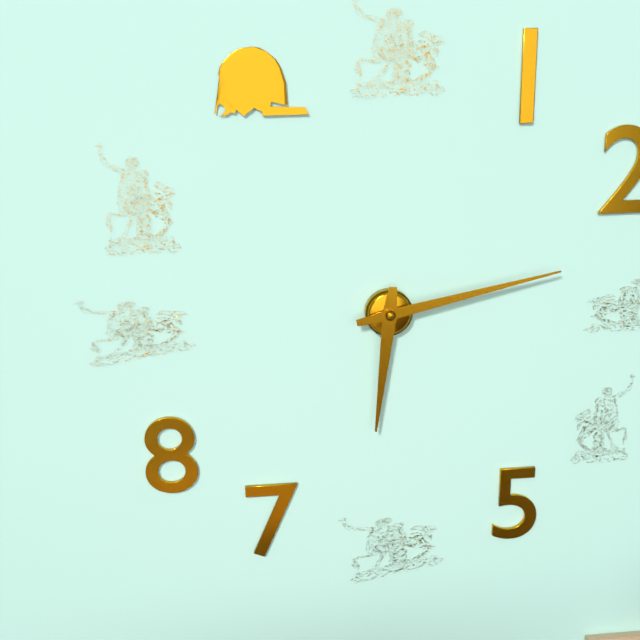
**6:13**
